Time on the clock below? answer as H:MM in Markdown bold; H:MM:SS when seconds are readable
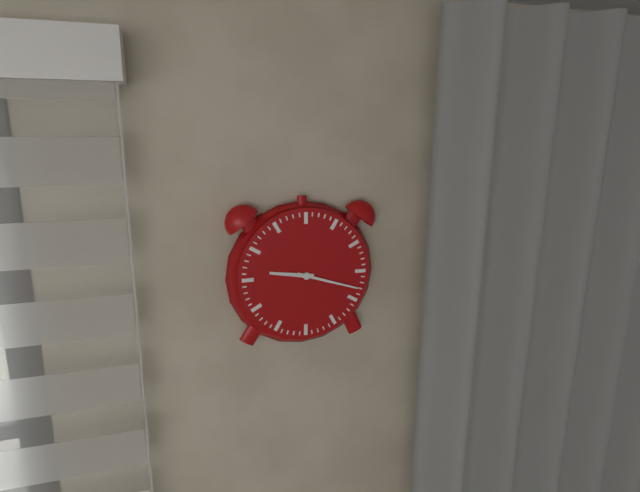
**9:18**
